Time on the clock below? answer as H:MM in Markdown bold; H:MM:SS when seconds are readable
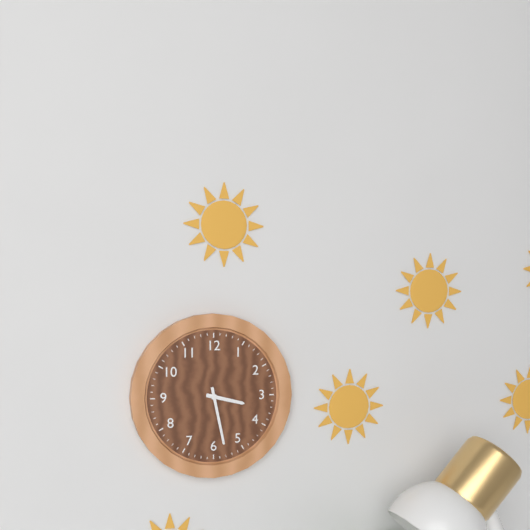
**3:28**
